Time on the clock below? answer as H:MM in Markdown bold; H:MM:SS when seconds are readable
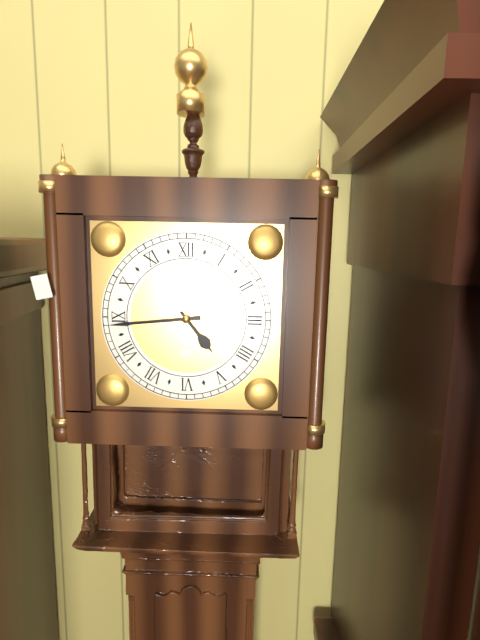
**4:44**
